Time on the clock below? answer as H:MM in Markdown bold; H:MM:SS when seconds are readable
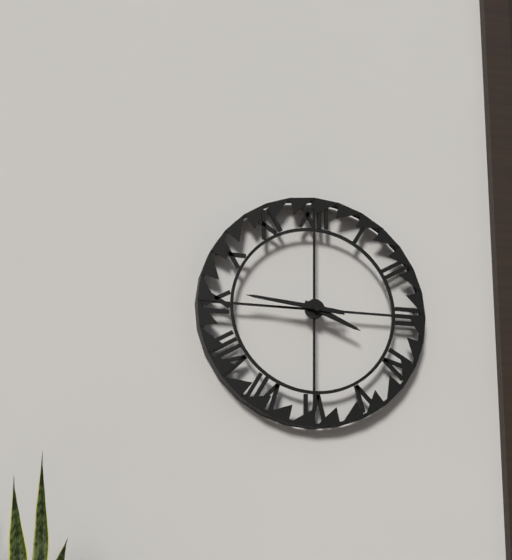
**3:46**
